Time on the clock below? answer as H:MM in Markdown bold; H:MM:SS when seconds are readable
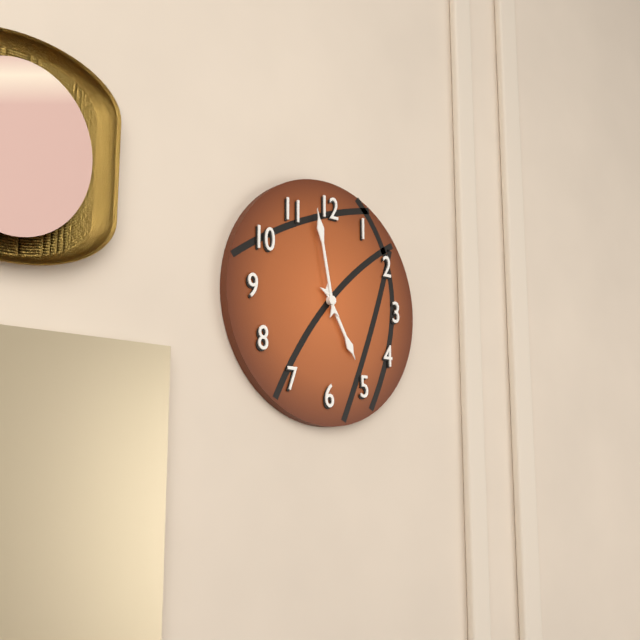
**4:58**
